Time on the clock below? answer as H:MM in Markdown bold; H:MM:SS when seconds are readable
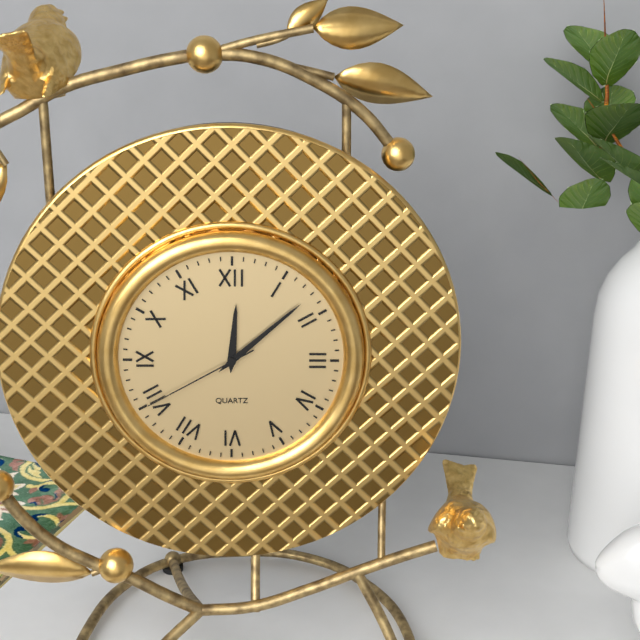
**12:08:40**
